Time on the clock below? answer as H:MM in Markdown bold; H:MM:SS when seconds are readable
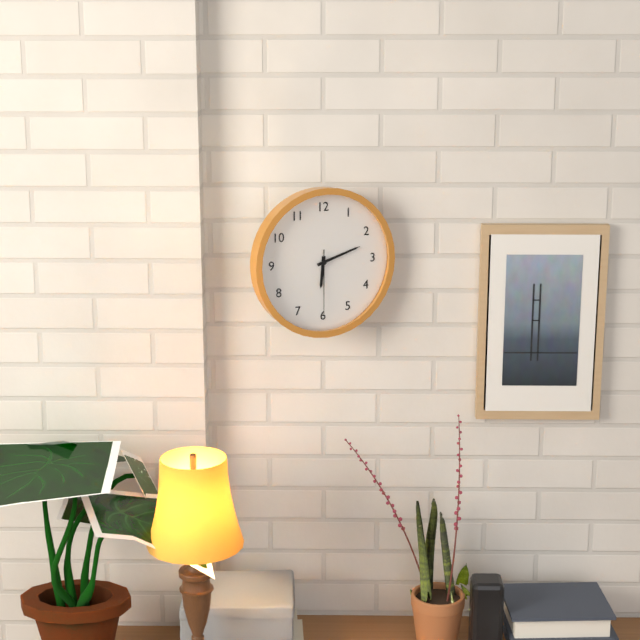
**6:12:30**
